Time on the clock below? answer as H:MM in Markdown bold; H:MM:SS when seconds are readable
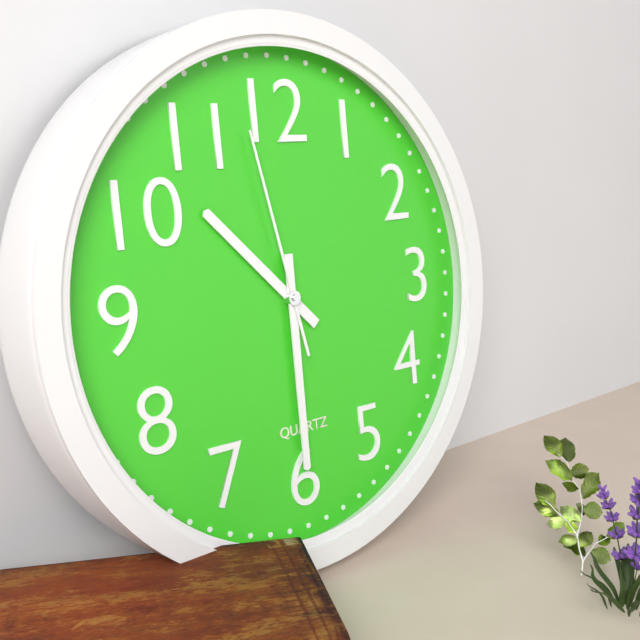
**10:30:58**
